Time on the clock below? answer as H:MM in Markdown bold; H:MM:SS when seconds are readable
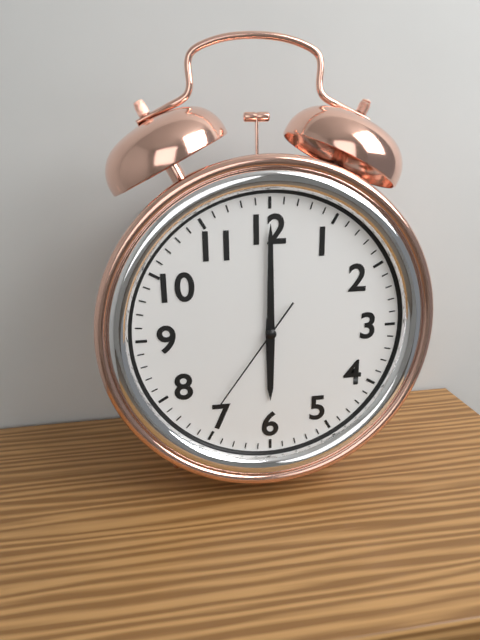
**6:00:36**
